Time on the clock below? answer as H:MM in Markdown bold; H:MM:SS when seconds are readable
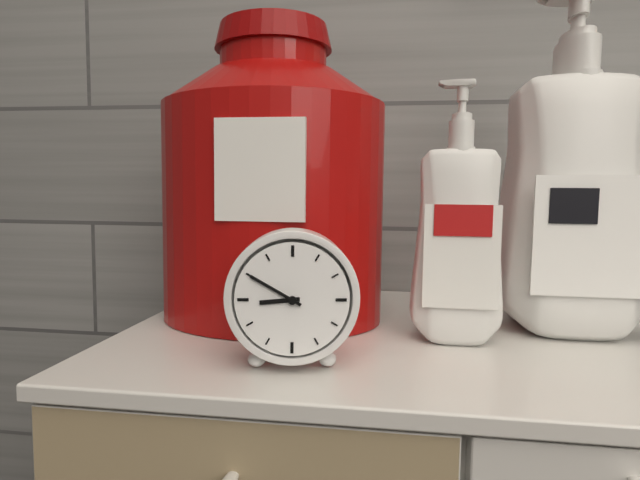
**8:50**
